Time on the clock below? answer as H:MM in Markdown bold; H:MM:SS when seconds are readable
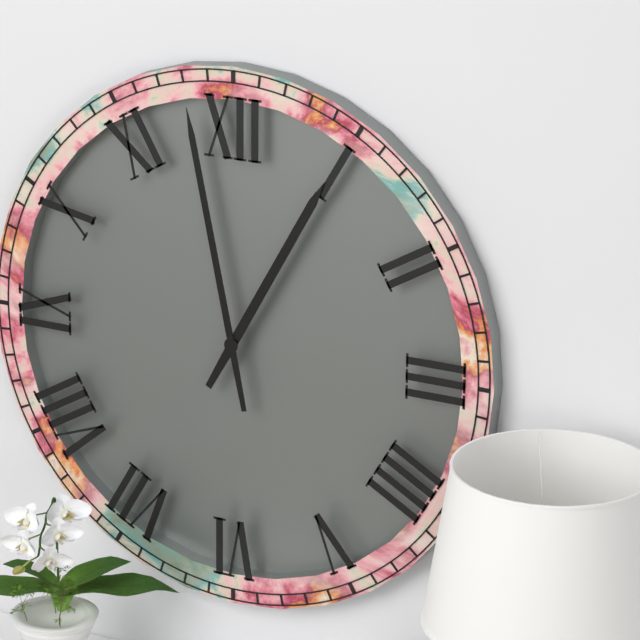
**12:58**
